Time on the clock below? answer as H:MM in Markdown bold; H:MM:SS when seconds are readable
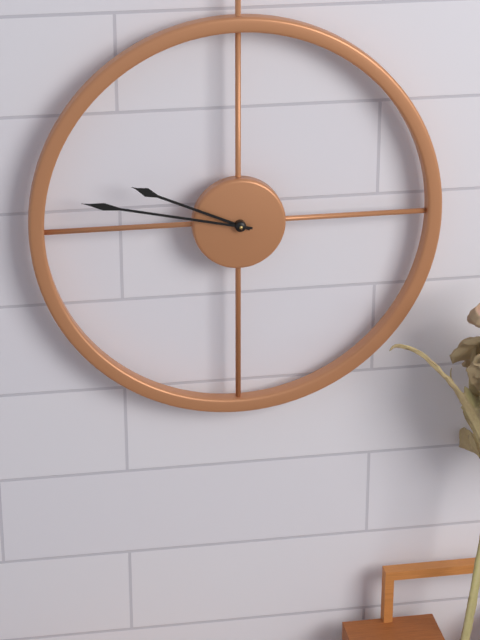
**9:47**
